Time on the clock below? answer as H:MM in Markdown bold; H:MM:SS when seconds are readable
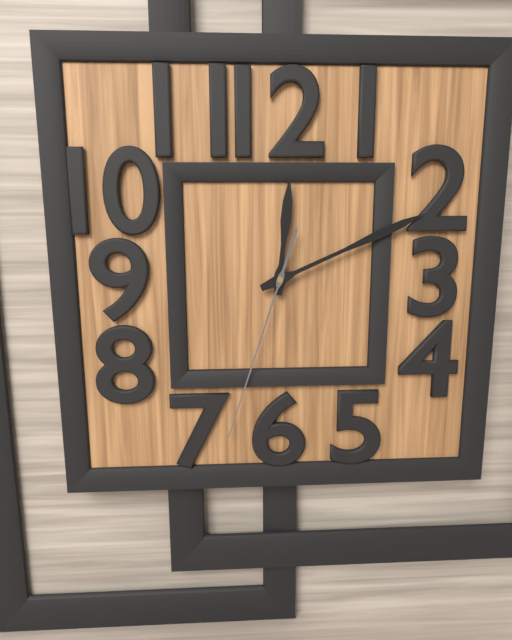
**12:11:33**
